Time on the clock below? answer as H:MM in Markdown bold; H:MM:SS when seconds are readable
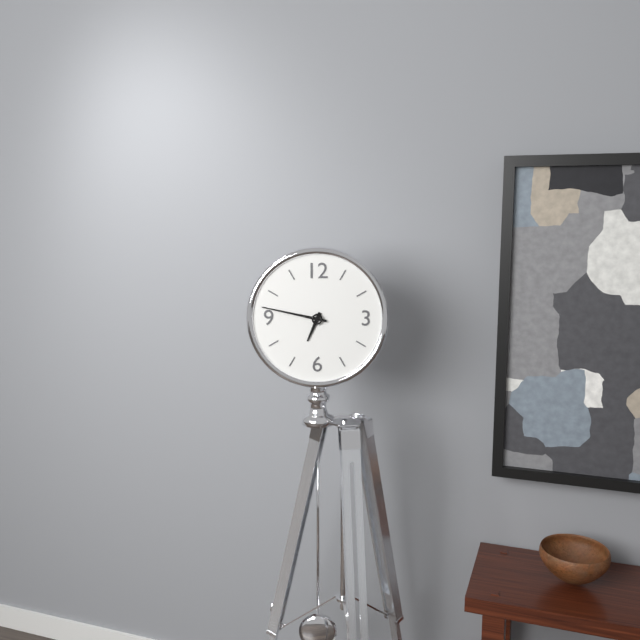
**6:47**
